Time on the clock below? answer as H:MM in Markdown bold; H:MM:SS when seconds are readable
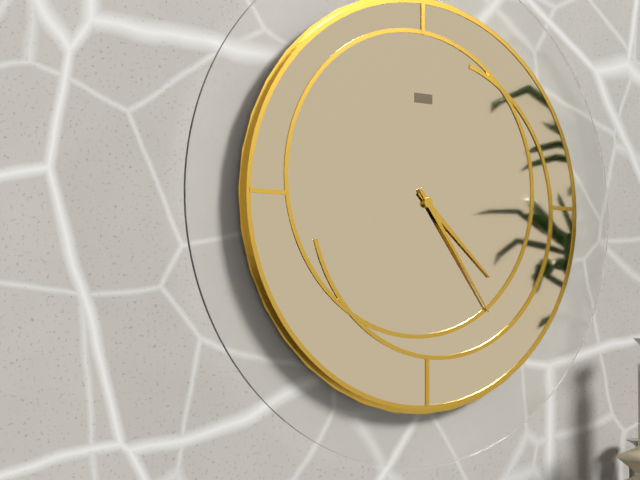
**4:24**
